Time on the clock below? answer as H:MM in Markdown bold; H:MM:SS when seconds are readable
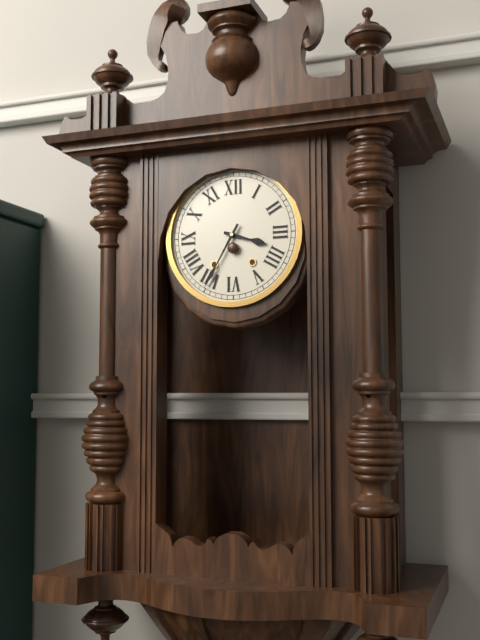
**3:35**
